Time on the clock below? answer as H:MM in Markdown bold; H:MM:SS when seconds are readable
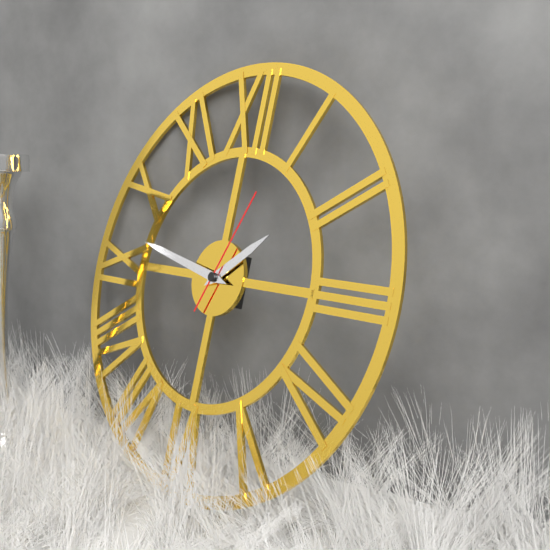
**1:47:04**
